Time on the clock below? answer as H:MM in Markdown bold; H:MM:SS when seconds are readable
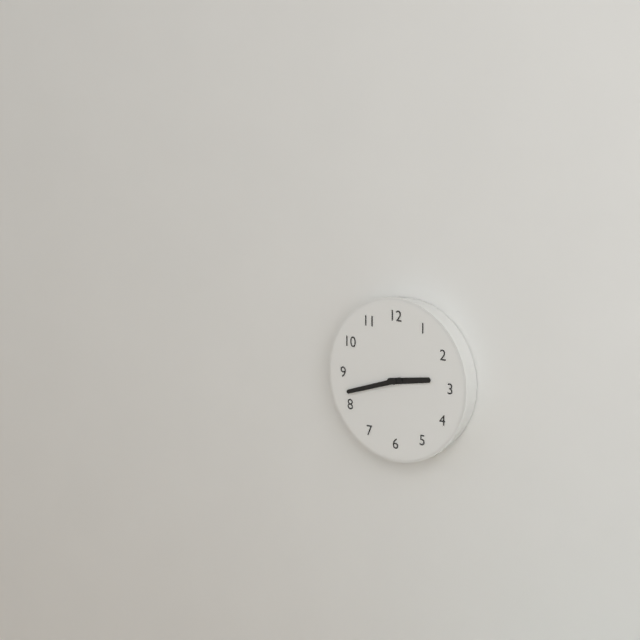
**2:42**
